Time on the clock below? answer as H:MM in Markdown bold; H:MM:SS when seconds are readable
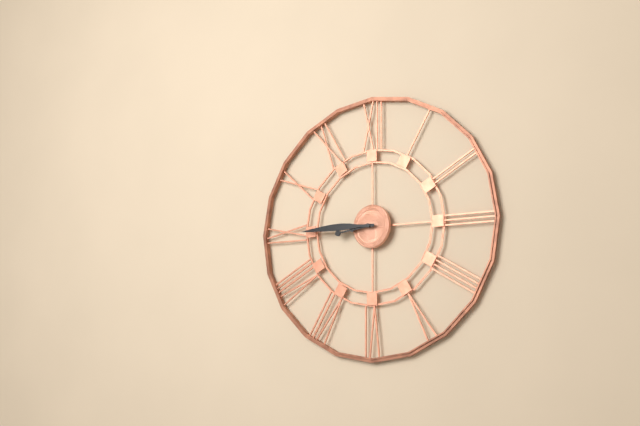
**8:45**
